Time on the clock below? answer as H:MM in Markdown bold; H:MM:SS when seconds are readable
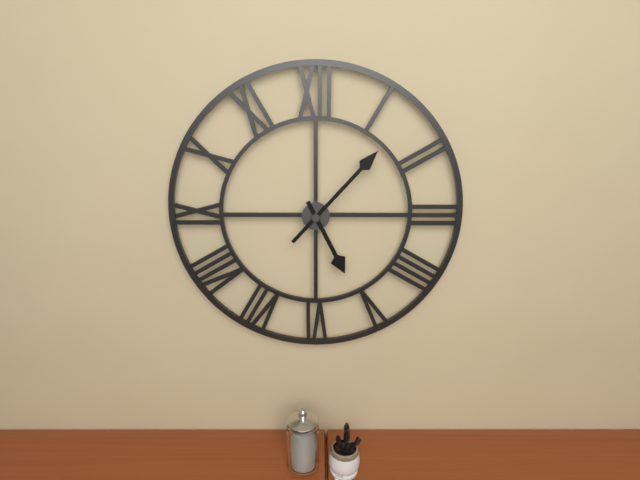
**5:07**
